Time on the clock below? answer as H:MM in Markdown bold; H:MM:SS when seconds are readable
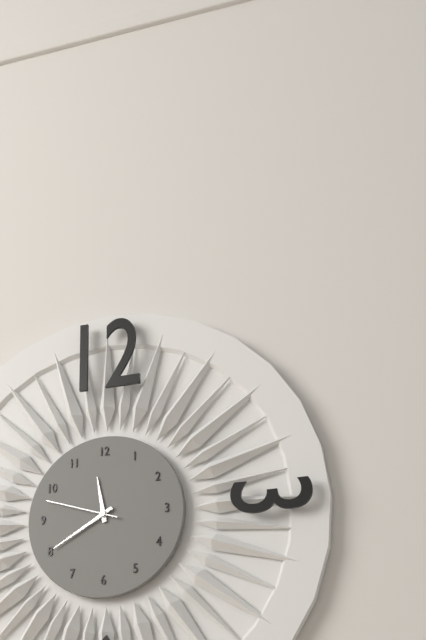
**11:40:48**
